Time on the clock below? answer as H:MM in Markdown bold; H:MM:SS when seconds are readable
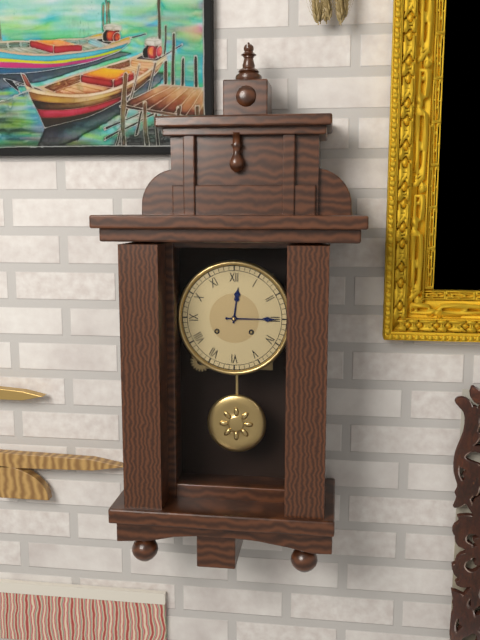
**12:15**
